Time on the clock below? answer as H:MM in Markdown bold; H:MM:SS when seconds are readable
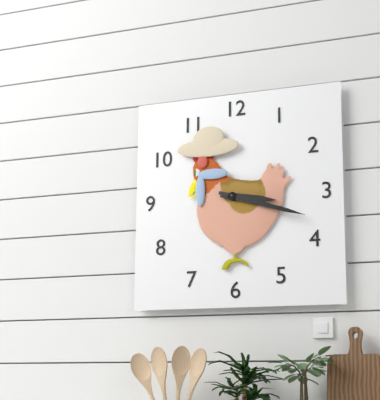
**3:18**
